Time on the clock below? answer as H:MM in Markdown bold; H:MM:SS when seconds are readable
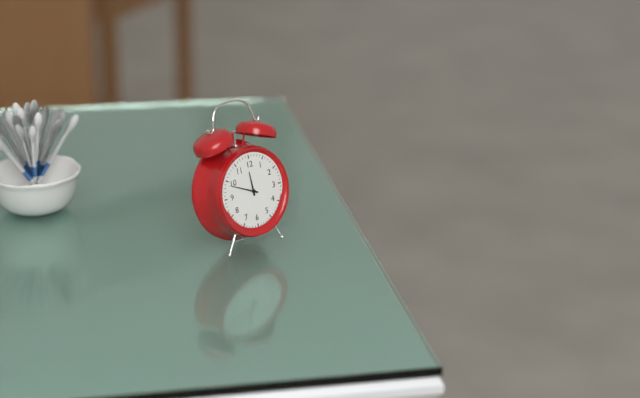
**11:49**
